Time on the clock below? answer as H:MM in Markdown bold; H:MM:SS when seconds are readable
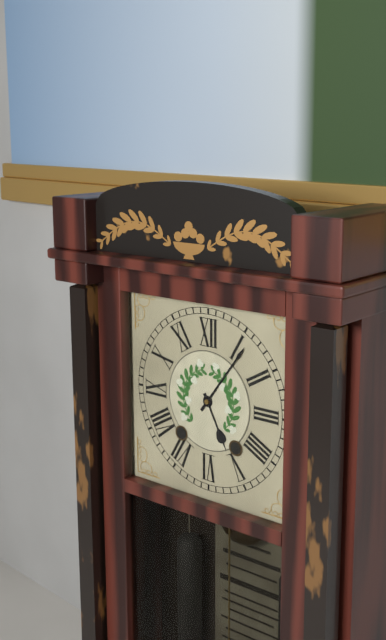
**5:06**
